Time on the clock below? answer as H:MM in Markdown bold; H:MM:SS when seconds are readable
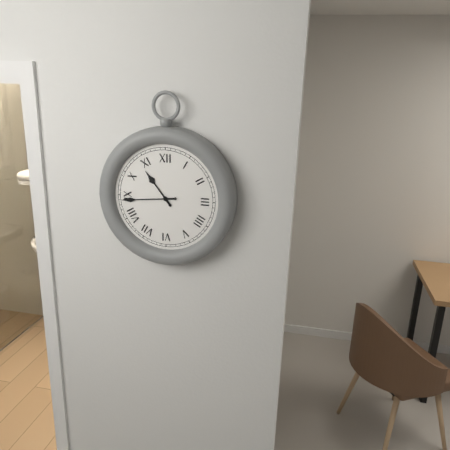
**10:44**
